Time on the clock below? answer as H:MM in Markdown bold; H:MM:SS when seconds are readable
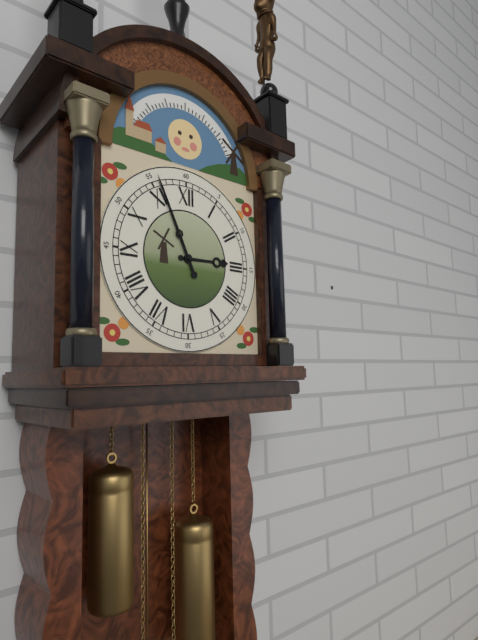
**2:56**
